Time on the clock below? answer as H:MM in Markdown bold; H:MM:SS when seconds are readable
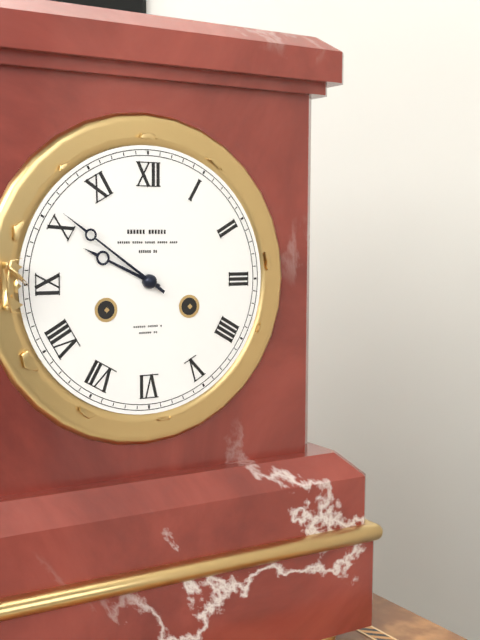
**9:51**
